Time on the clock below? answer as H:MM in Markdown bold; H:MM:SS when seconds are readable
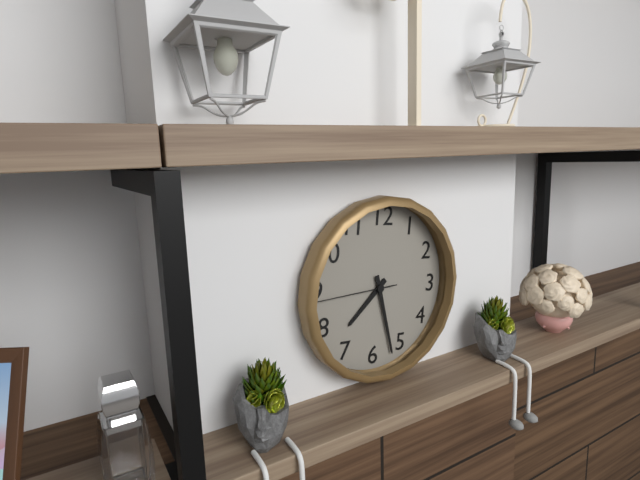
**7:27:44**
